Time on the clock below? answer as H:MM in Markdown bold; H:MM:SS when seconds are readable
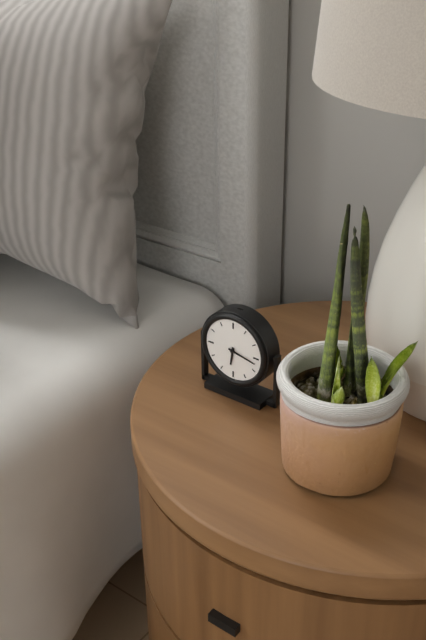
**6:17**
